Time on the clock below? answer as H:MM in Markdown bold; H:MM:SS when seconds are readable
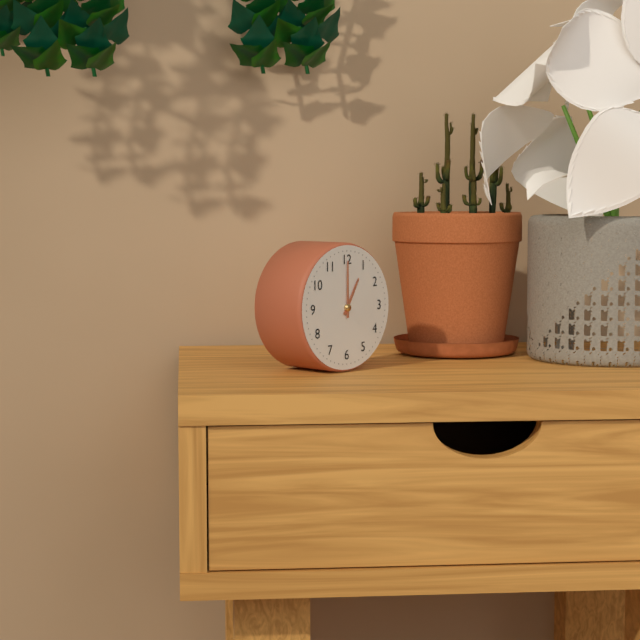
**1:00**
